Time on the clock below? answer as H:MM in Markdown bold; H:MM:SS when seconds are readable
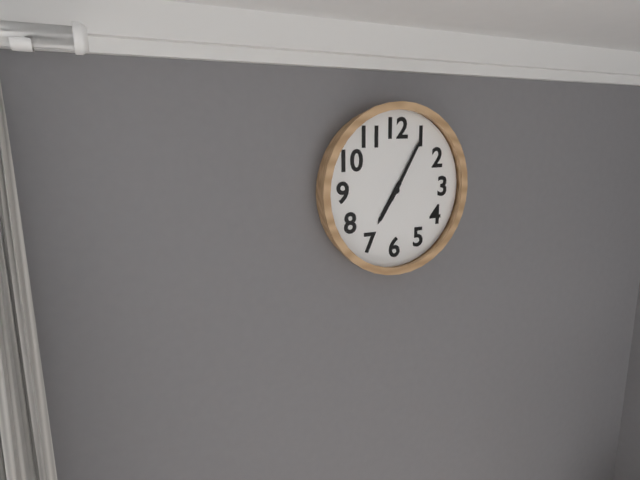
**7:05**
